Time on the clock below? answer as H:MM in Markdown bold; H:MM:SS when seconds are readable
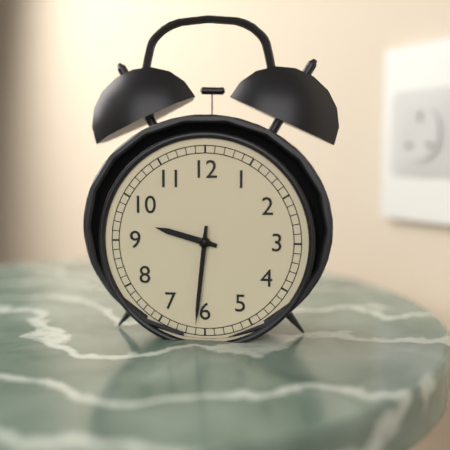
**9:31**
